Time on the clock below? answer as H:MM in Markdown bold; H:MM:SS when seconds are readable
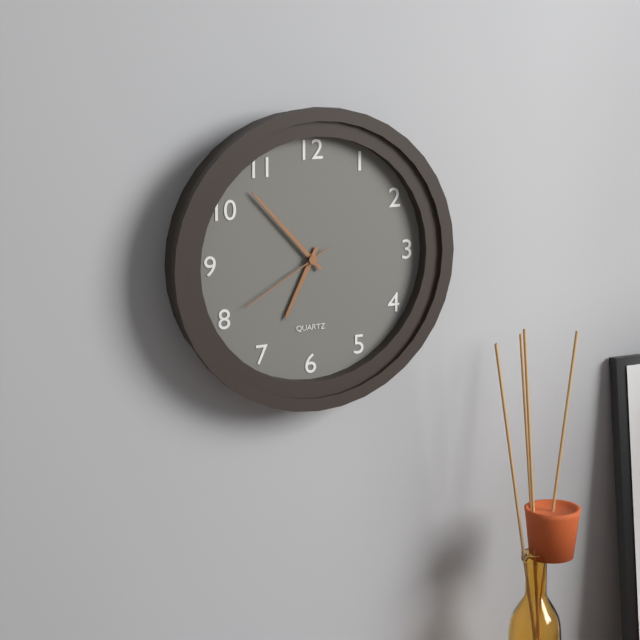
**6:53:40**
